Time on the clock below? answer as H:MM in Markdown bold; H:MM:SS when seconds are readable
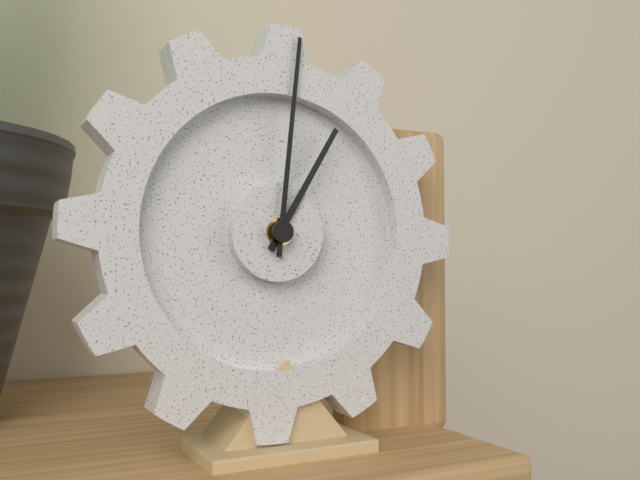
**1:01**
